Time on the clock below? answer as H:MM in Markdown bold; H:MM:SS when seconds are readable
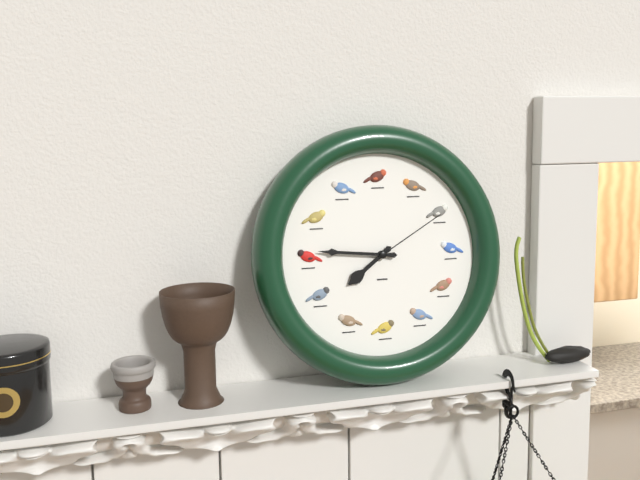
**7:46:10**
